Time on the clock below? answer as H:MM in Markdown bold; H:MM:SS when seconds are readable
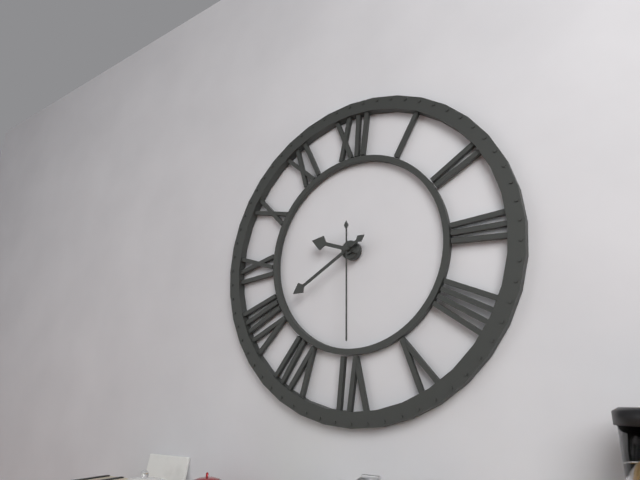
**9:40:30**
